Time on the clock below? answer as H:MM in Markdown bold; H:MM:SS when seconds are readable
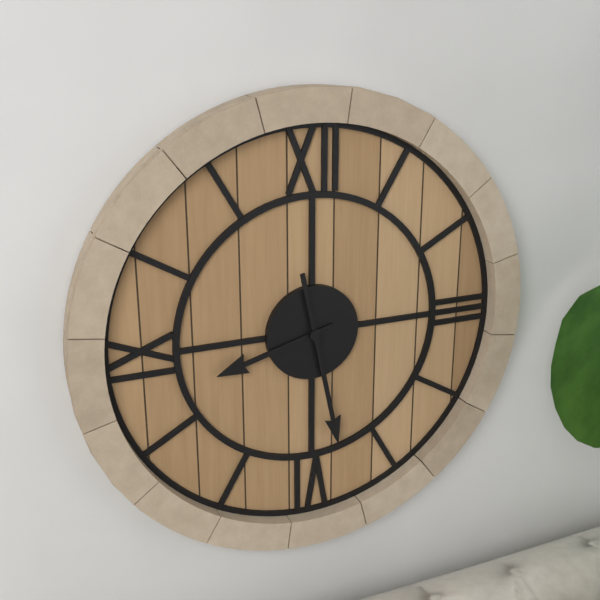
**8:28**
